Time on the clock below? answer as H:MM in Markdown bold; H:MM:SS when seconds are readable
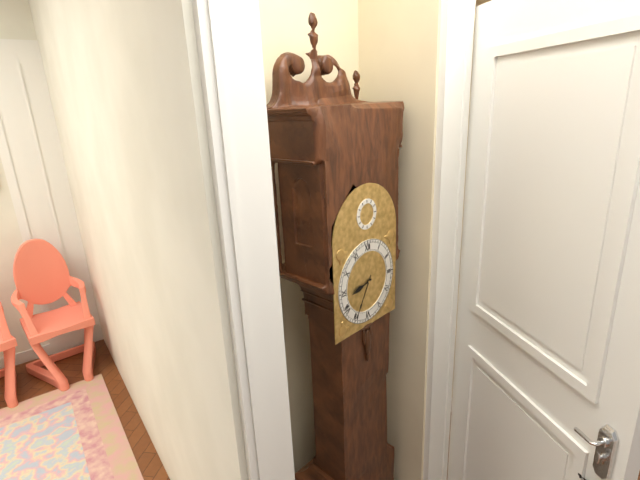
**8:35**
